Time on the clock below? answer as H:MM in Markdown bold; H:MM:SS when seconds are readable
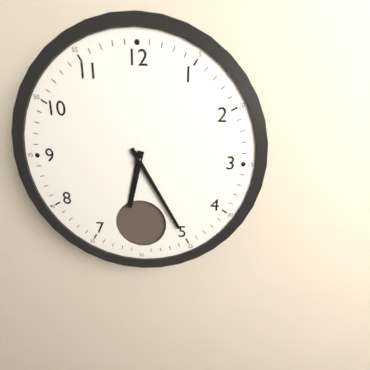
**6:25**
